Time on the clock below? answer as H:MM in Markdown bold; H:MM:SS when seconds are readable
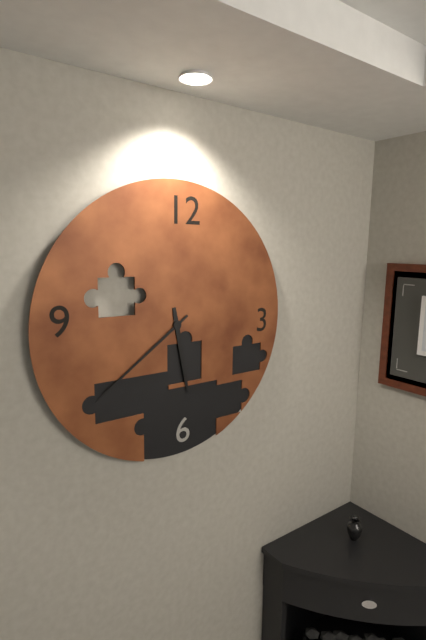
**5:39**
